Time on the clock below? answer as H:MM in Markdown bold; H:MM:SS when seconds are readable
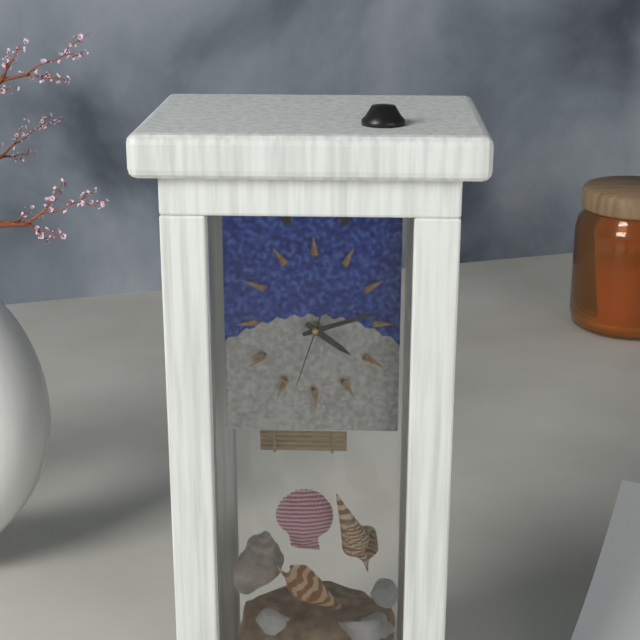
**4:12:33**
